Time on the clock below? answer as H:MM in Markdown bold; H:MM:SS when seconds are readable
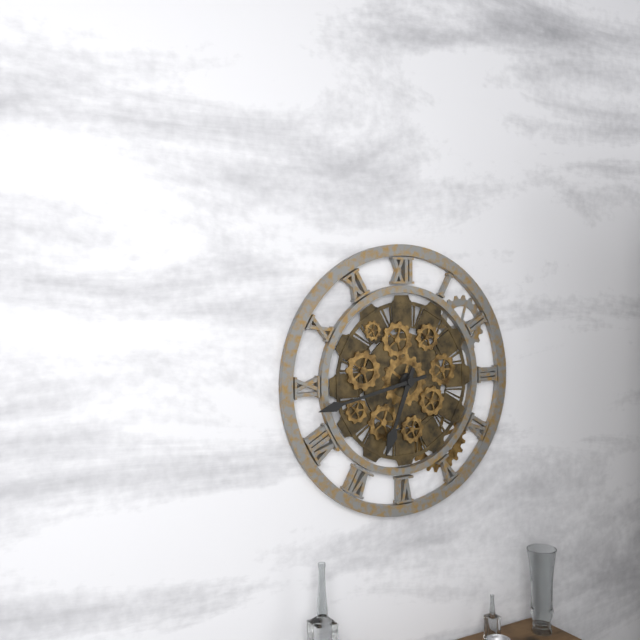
**6:43**
